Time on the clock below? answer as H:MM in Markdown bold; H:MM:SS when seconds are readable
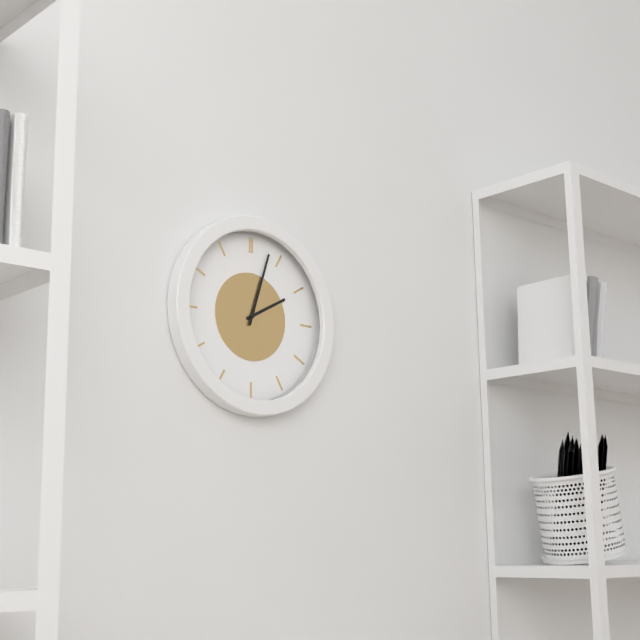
**2:03**
